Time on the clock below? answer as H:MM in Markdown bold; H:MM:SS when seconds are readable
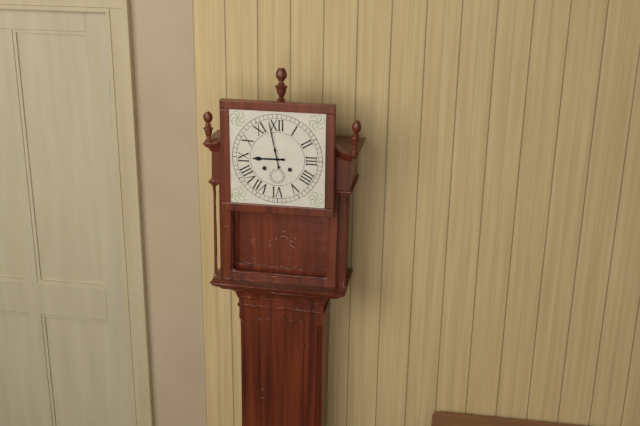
**8:58**
